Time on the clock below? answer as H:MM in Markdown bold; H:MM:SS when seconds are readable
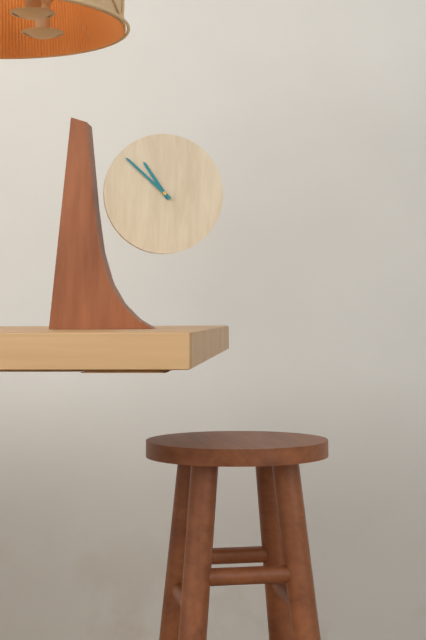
**10:52**
